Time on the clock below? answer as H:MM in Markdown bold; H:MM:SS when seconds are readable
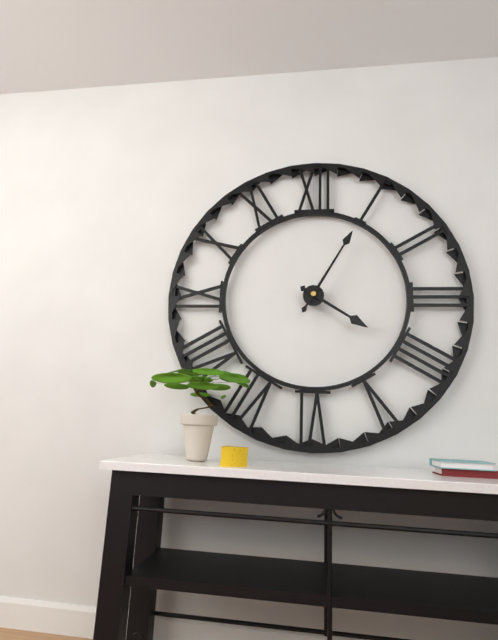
**4:05**
